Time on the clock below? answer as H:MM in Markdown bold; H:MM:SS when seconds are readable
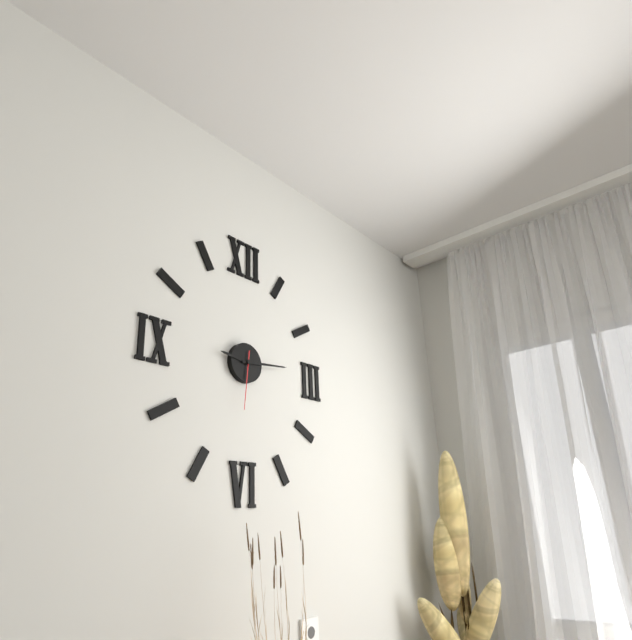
**9:14:31**
